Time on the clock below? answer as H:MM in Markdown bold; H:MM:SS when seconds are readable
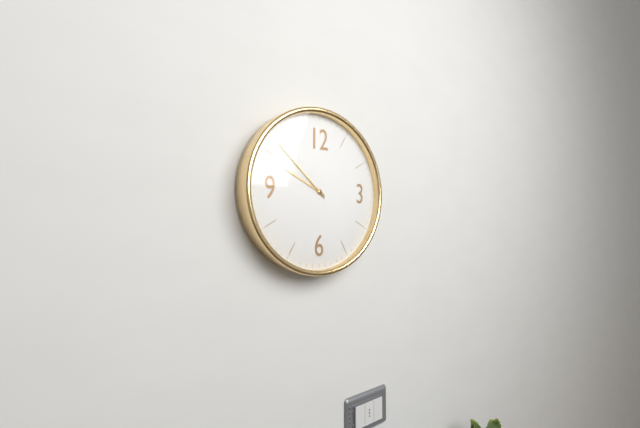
**9:52**
